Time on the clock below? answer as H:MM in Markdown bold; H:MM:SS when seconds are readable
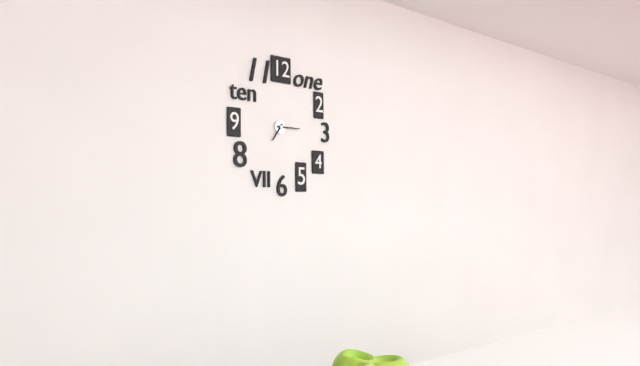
**7:15**
